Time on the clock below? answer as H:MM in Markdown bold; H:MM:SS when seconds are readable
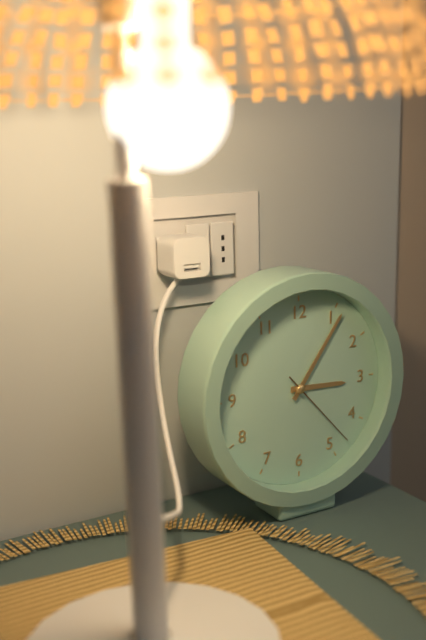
**3:06:23**
